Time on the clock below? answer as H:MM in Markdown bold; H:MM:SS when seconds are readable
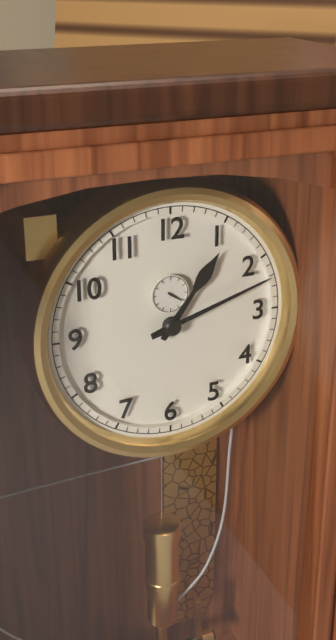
**1:12**
